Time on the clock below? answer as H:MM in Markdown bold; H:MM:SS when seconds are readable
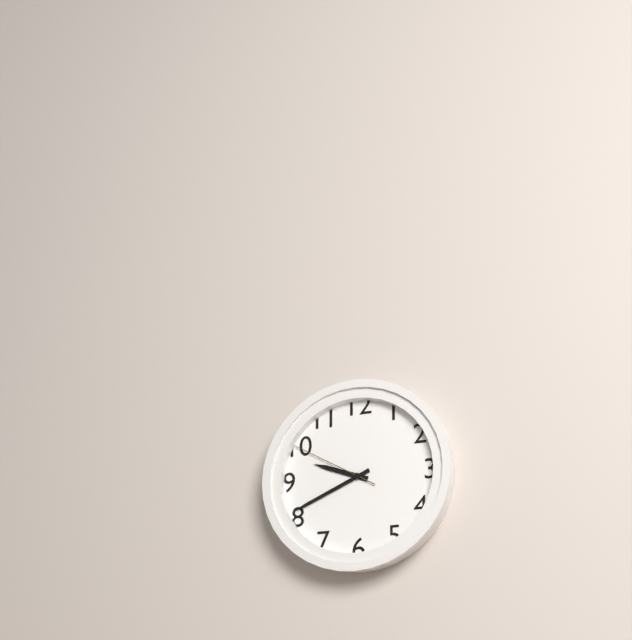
**9:41:50**
